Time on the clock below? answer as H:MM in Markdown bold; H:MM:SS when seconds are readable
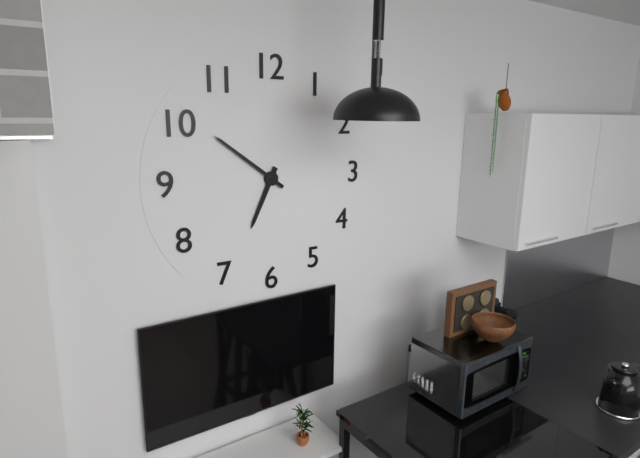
**6:51**
